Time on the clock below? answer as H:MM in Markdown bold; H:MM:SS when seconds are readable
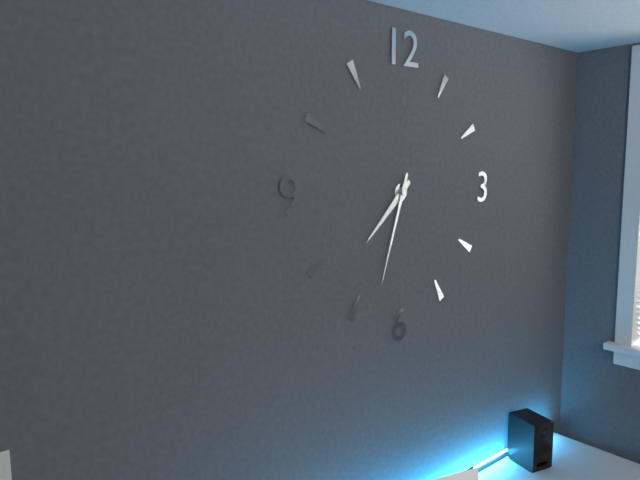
**7:33**
